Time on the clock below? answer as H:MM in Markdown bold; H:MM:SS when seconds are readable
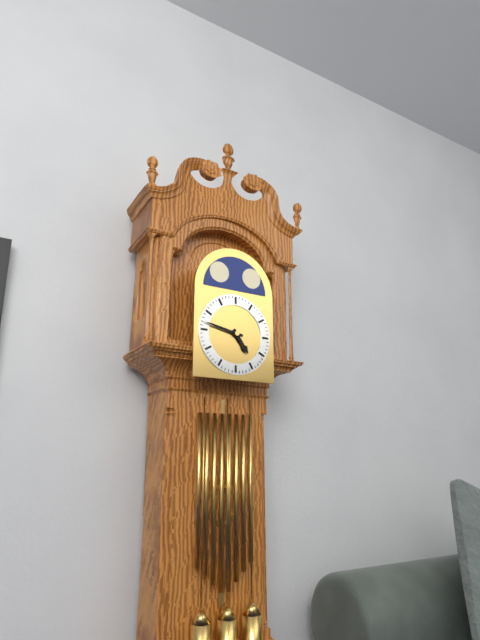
**4:47**
